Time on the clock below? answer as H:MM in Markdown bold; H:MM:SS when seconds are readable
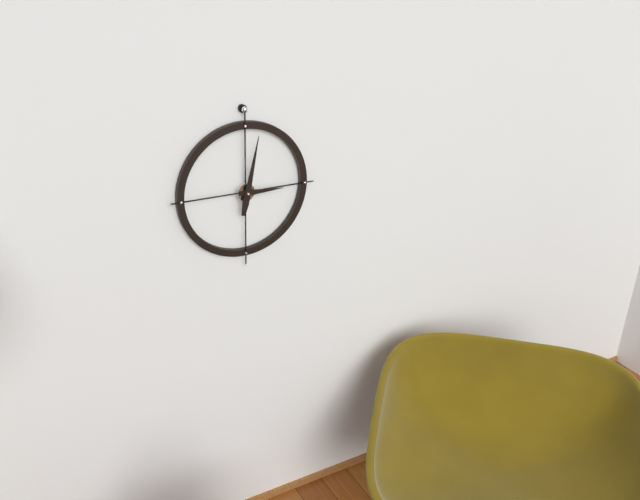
**3:02**
